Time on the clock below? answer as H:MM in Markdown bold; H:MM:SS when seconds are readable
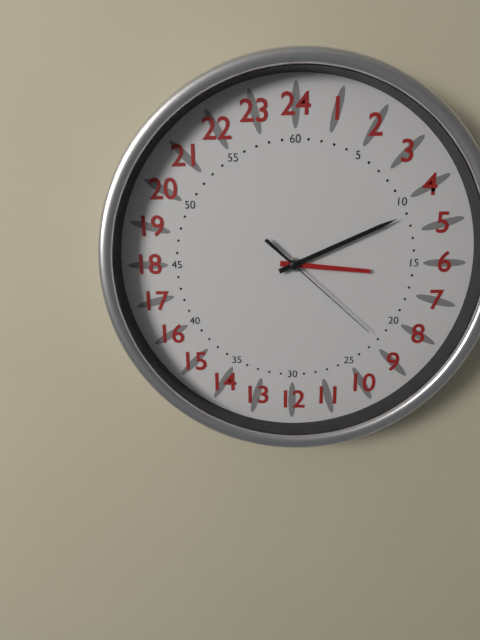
**3:11:22**
